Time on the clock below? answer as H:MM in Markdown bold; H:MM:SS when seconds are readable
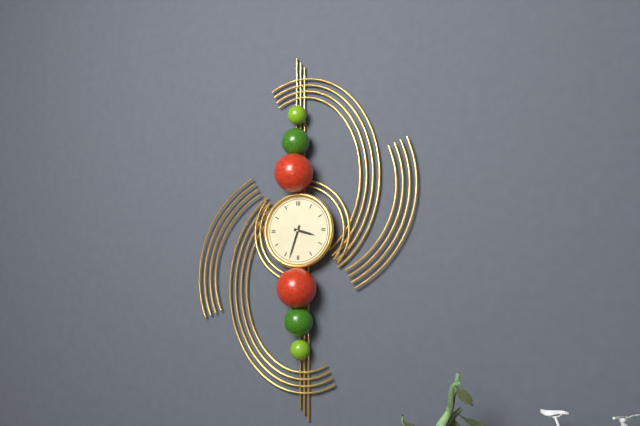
**3:33**
